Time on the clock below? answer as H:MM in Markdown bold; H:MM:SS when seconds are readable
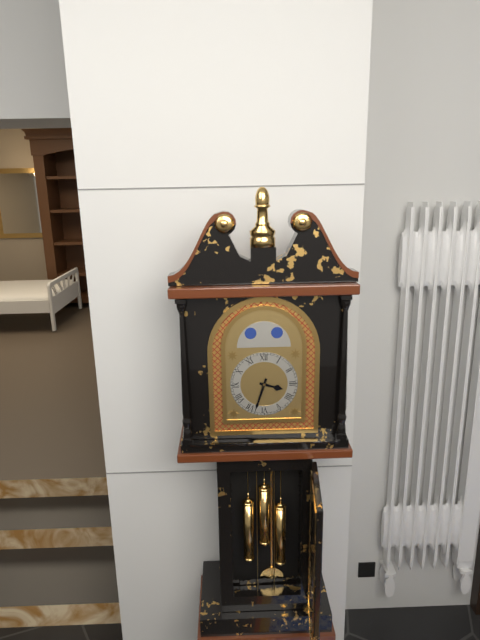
**3:33**
